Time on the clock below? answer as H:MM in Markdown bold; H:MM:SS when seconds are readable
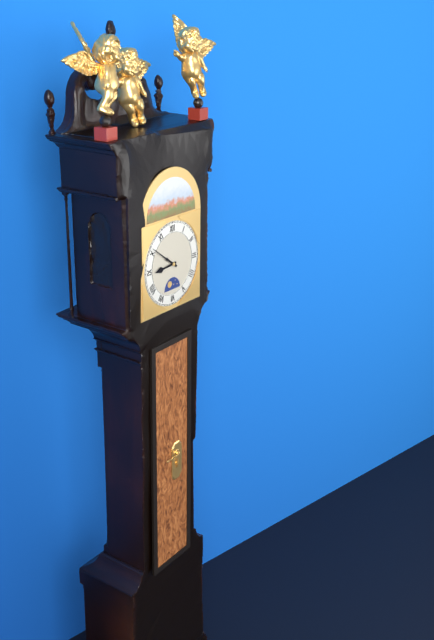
**8:51**
